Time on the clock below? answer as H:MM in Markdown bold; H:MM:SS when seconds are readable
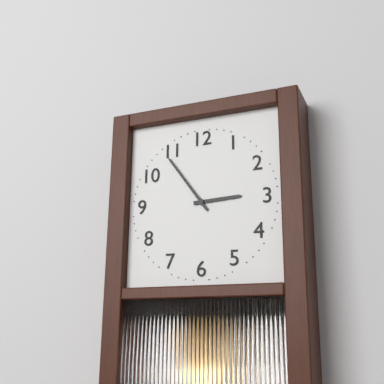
**2:54**
